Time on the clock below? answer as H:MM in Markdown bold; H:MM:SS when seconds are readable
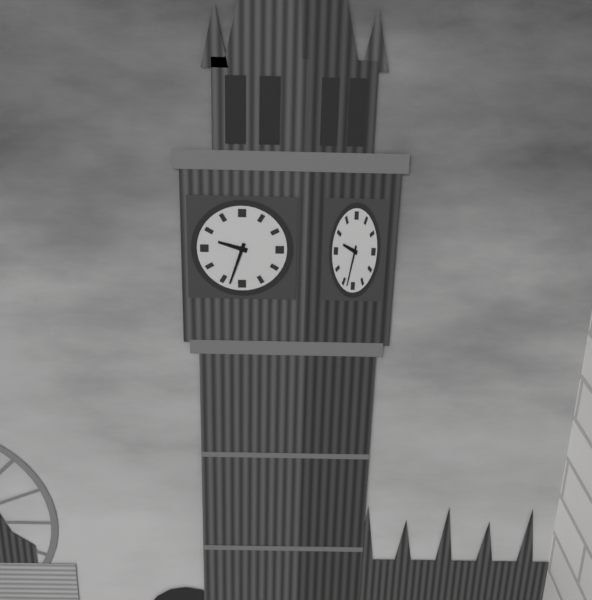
**9:33**
